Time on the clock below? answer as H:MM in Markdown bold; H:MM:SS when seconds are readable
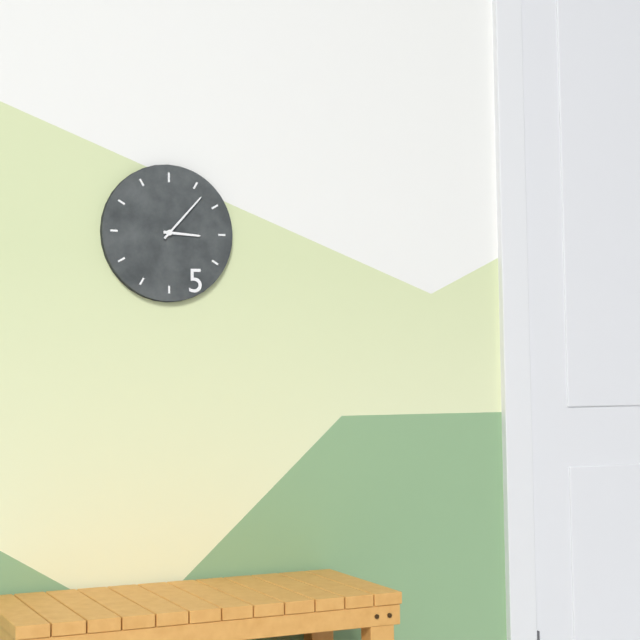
**3:07**
